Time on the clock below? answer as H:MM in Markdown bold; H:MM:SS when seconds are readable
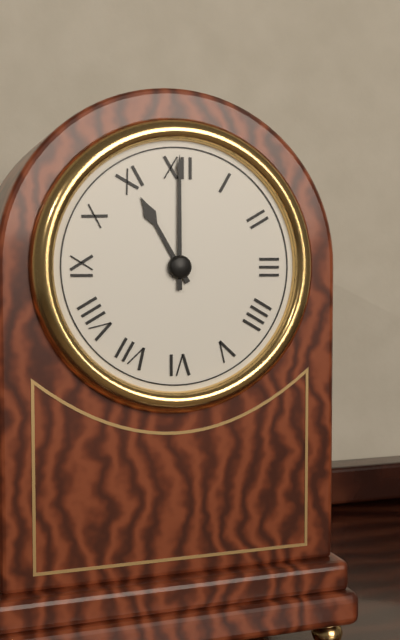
**11:00**
